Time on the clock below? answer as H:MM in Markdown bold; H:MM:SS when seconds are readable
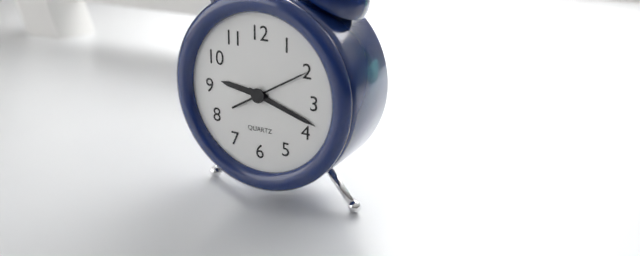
**9:18:10**
